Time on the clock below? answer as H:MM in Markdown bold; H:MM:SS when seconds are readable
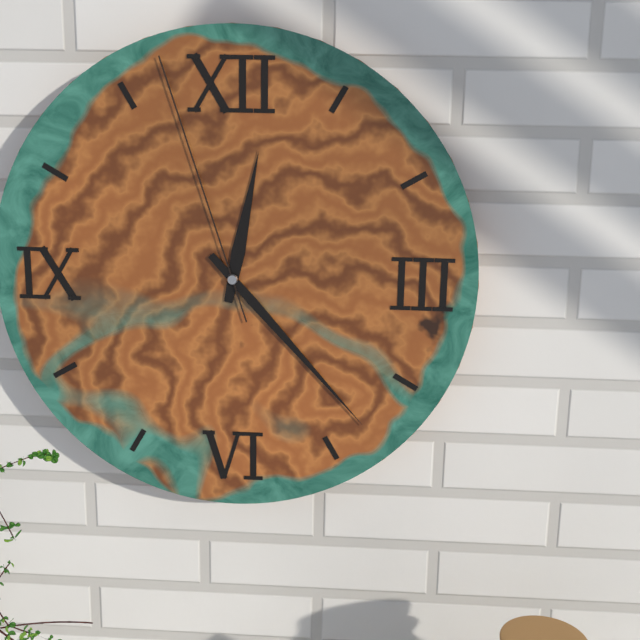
**12:23:57**
